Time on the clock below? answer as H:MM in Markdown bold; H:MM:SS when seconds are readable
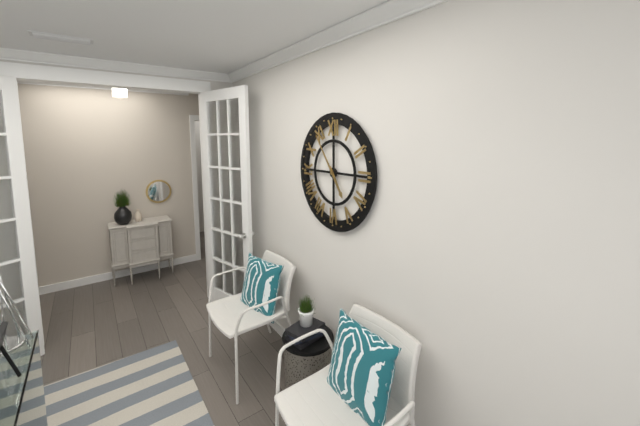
**4:54**
